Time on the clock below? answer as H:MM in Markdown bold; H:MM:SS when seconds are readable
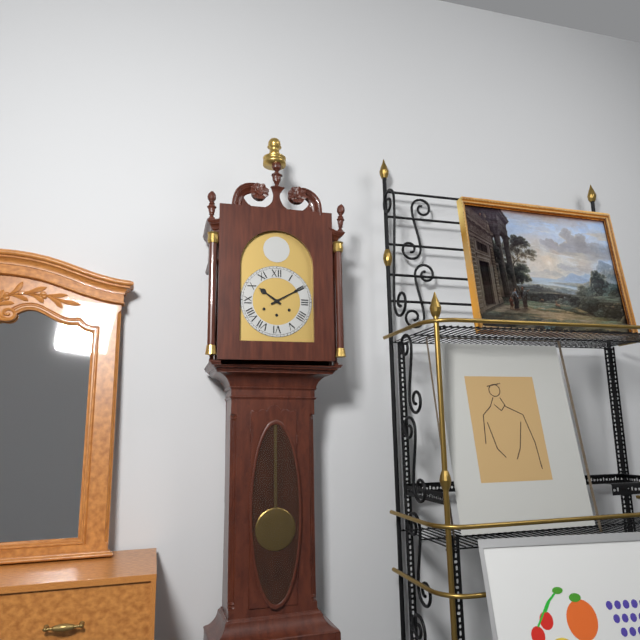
**10:10**
